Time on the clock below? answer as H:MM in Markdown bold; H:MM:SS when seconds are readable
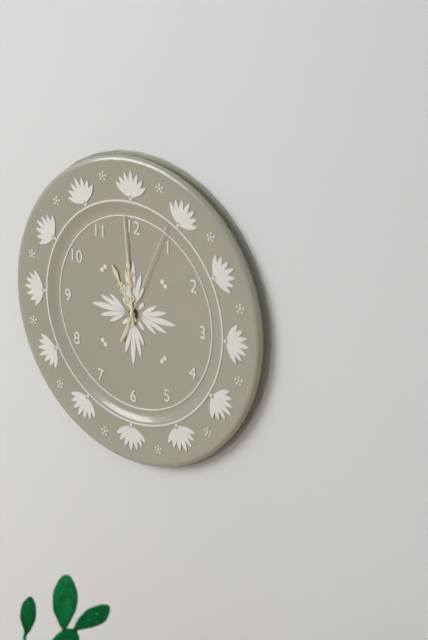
**10:59:04**
